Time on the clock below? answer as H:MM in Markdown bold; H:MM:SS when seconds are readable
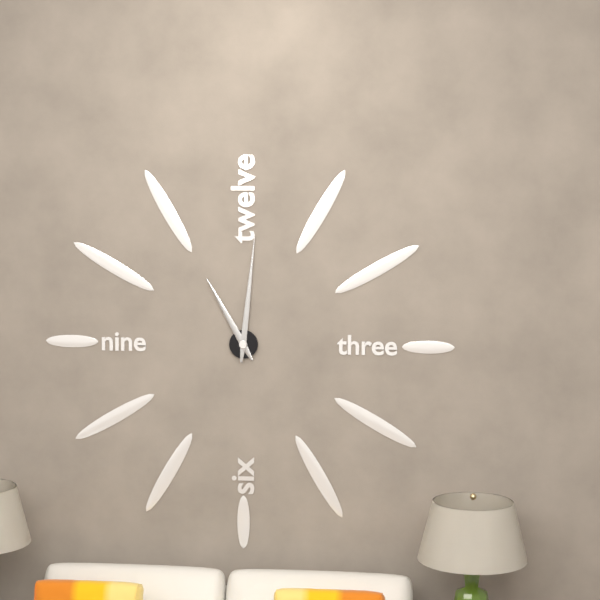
**11:01**
